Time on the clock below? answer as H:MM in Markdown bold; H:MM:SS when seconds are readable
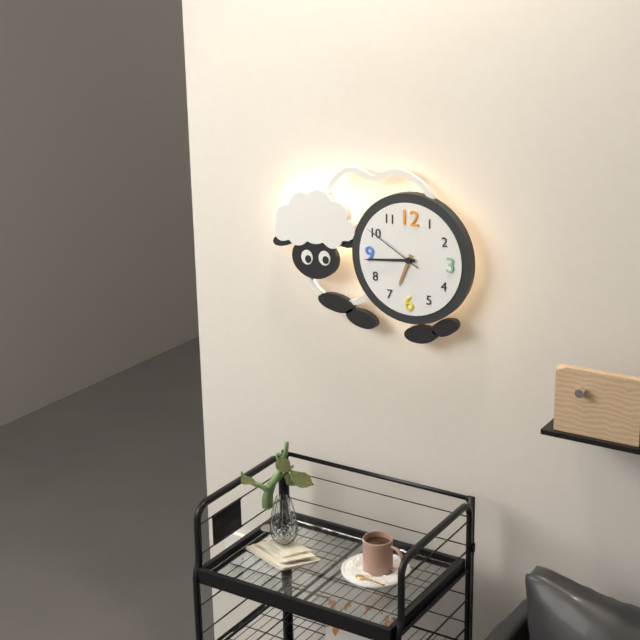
**6:44:50**
